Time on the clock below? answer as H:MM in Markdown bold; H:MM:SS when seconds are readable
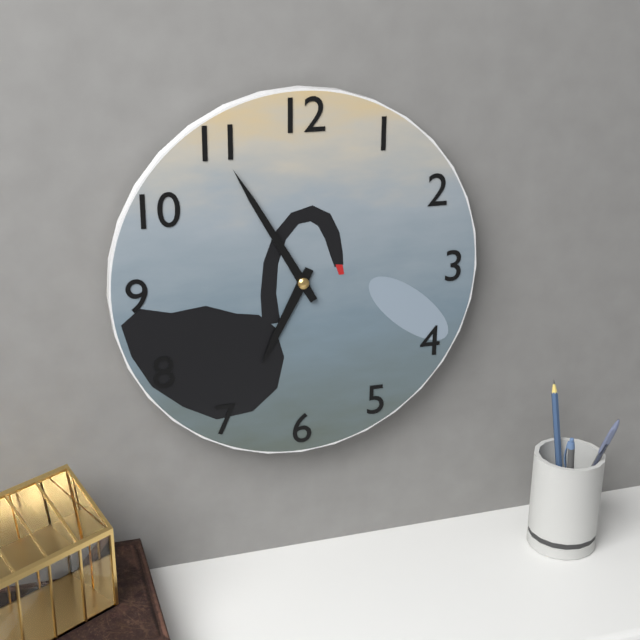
**6:55**
